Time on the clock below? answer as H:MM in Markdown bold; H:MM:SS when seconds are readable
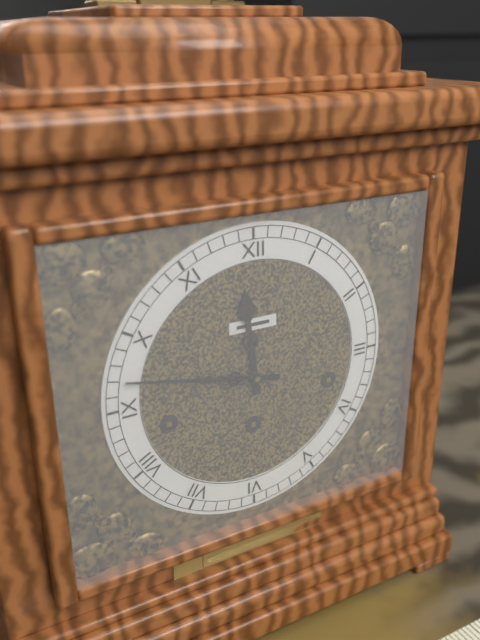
**11:47**
